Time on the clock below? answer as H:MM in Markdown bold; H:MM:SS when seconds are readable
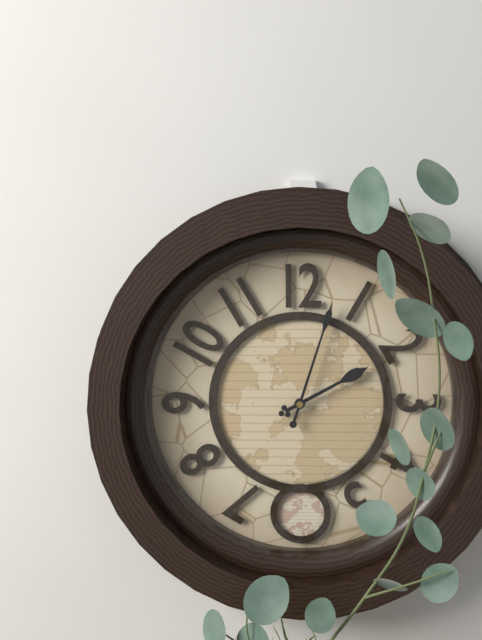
**2:03**
